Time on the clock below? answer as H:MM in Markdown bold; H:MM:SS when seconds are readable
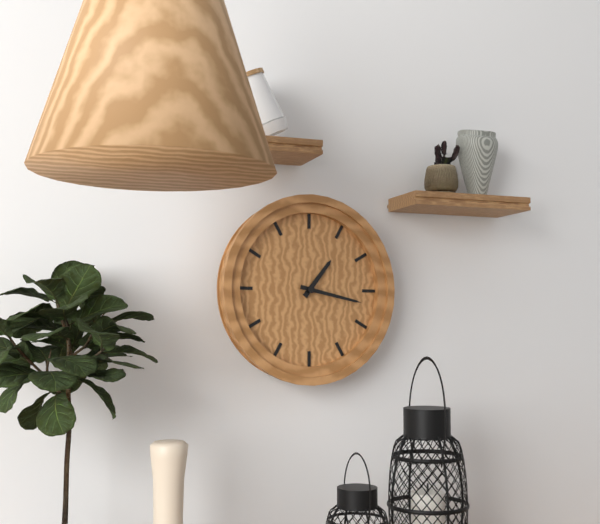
**1:17**
